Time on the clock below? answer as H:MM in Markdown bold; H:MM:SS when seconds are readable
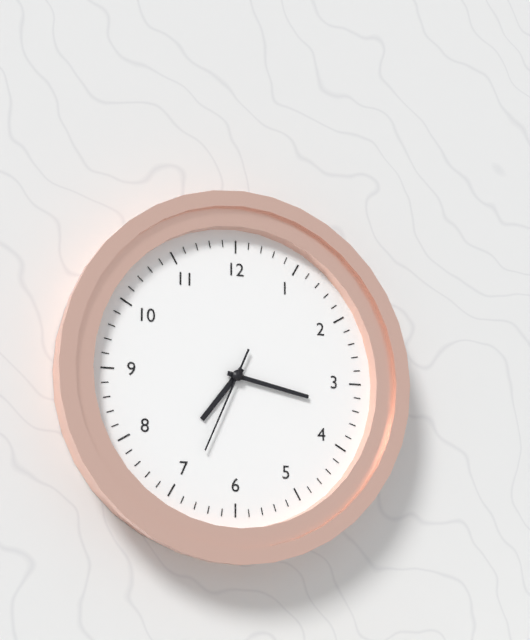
**7:17:34**
